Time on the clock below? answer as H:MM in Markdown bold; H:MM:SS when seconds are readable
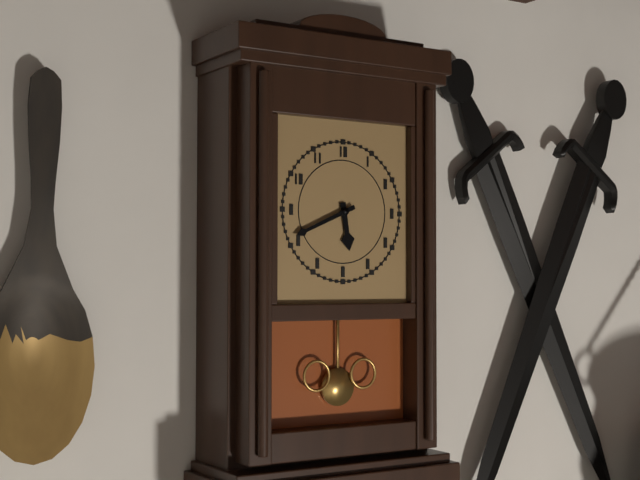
**5:41**
